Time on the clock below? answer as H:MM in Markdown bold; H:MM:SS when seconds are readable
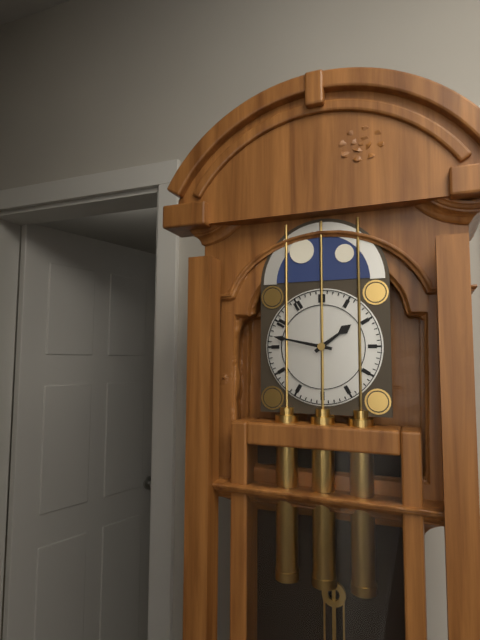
**1:47**
